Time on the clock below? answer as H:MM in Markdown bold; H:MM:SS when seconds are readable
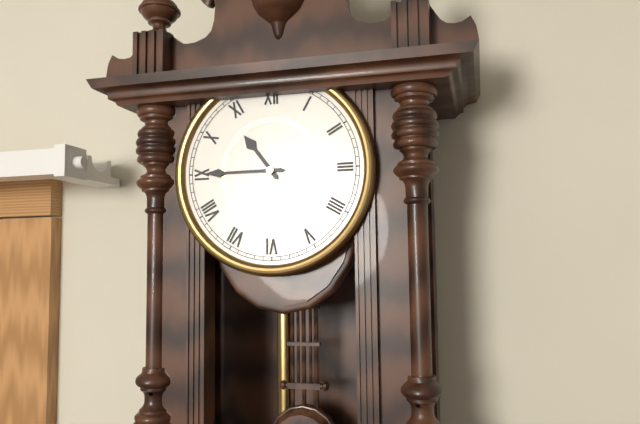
**10:45**
